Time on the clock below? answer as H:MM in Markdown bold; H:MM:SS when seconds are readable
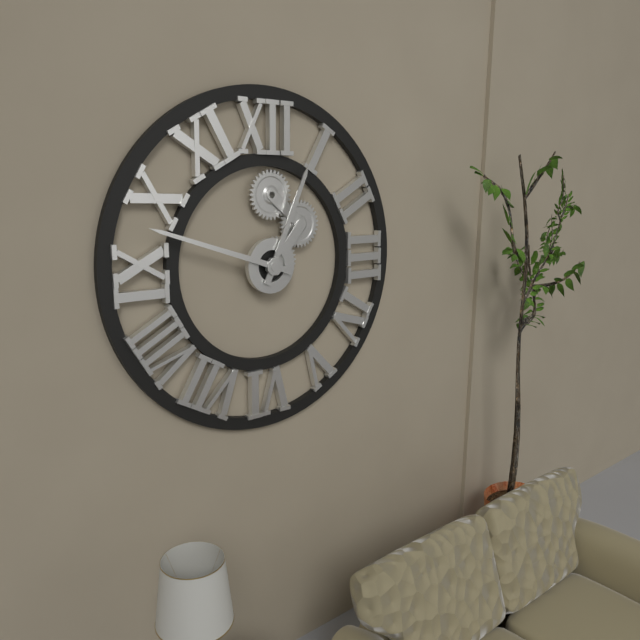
**12:48**
